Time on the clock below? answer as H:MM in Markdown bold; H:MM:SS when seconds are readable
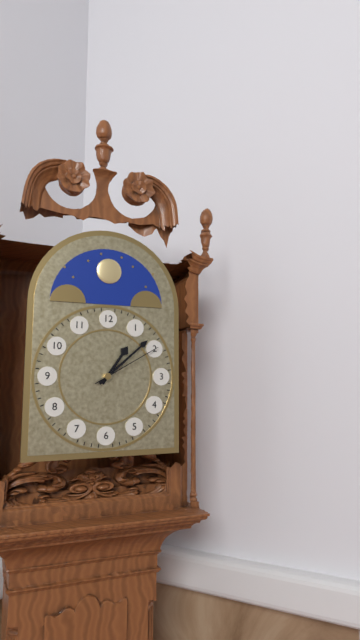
**1:08:10**
